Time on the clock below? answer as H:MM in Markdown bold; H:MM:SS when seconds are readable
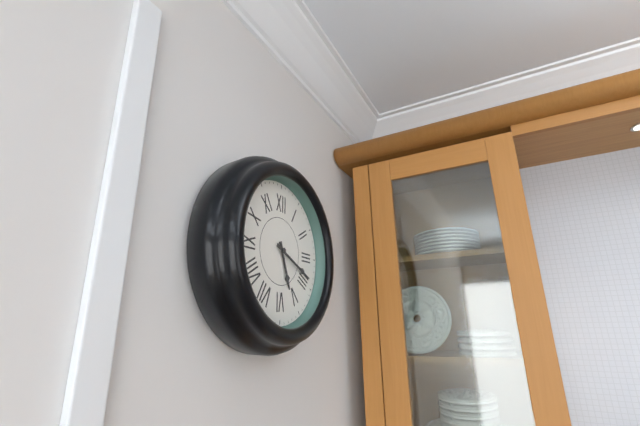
**5:19**
